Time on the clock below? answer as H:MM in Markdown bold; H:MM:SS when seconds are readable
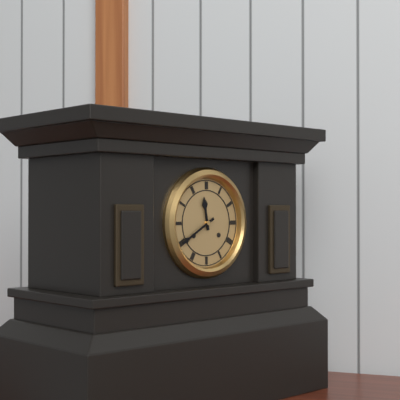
**11:40**
